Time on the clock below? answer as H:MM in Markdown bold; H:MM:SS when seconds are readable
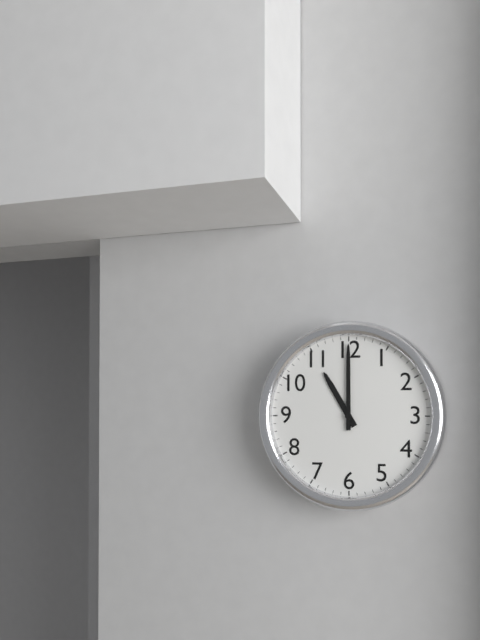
**11:00**
